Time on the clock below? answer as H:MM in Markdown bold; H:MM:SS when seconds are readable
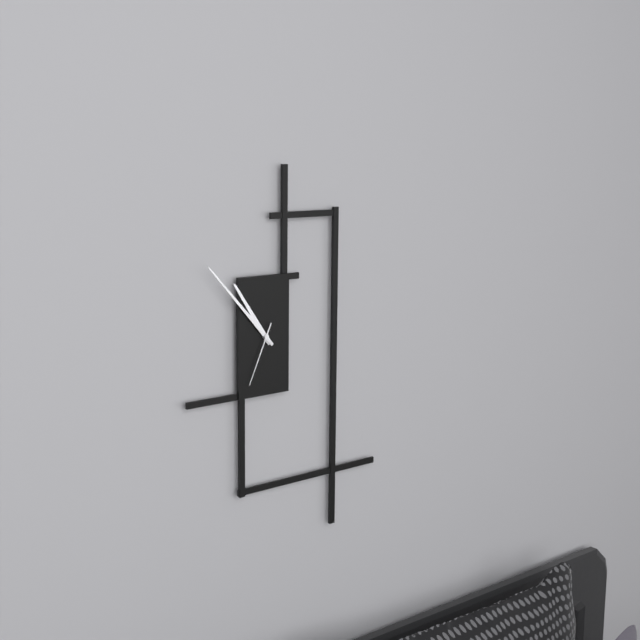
**10:53:34**
